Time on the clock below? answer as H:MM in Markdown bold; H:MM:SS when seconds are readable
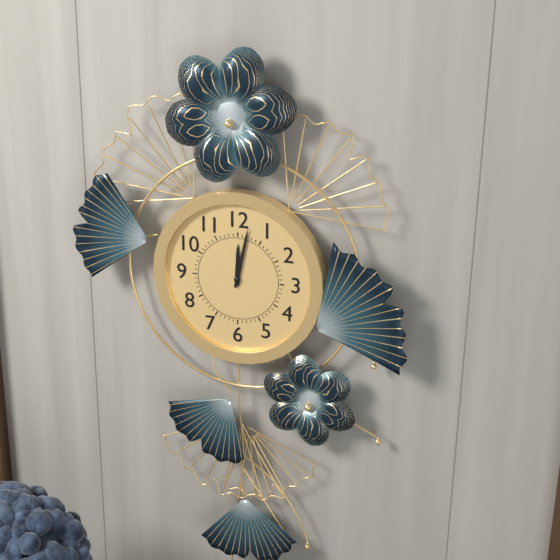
**12:02**
